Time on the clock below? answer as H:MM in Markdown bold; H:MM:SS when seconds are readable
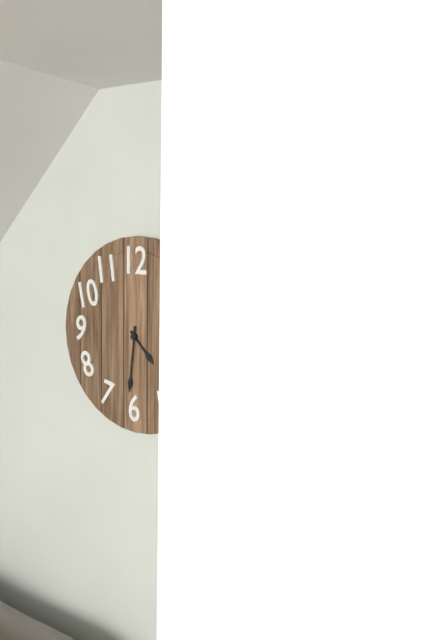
**4:31**
